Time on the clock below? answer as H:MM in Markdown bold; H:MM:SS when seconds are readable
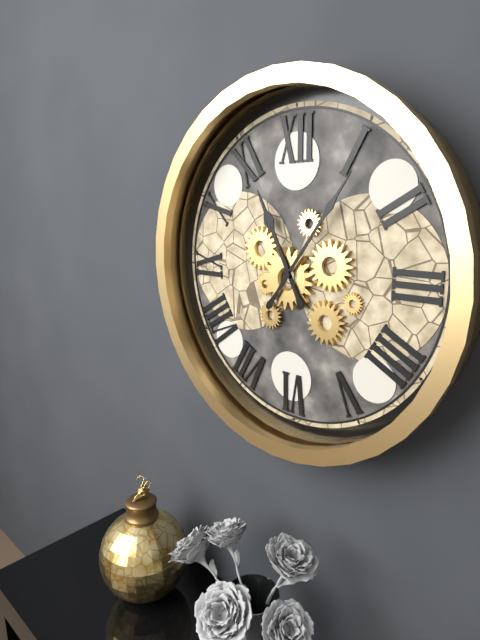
**11:06**
